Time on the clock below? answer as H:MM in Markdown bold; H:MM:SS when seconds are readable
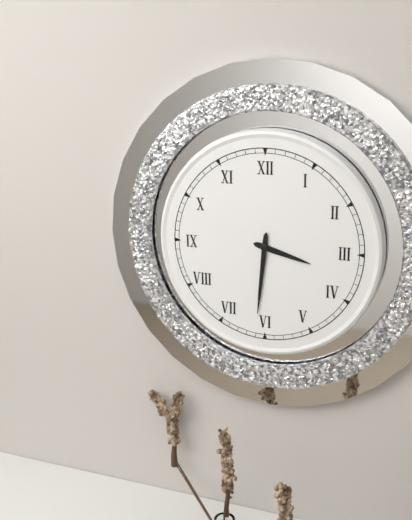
**3:31**
